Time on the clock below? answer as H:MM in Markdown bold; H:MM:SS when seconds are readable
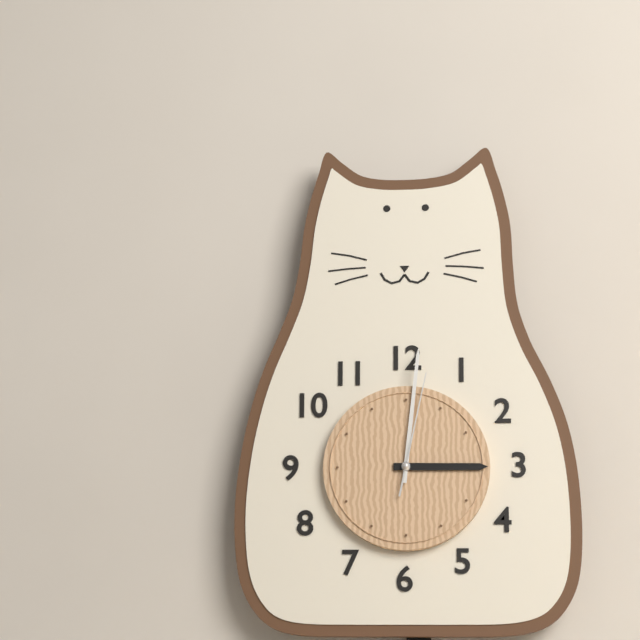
**3:01:02**
